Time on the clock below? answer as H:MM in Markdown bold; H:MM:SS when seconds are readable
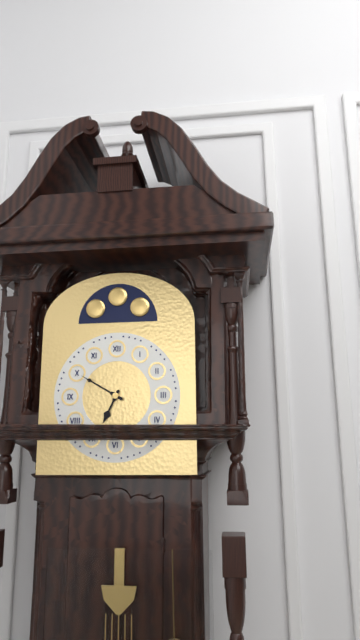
**6:50**
